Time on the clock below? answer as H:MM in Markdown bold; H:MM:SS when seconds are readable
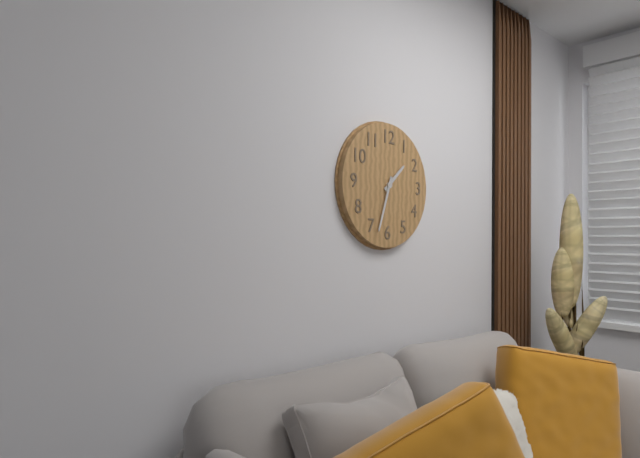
**1:33**
